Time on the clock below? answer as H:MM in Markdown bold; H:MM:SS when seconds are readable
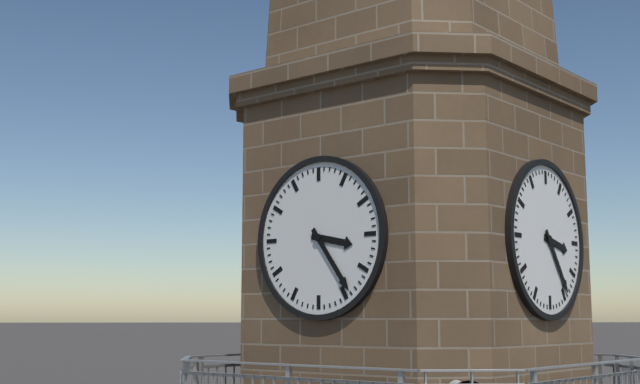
**3:24**
